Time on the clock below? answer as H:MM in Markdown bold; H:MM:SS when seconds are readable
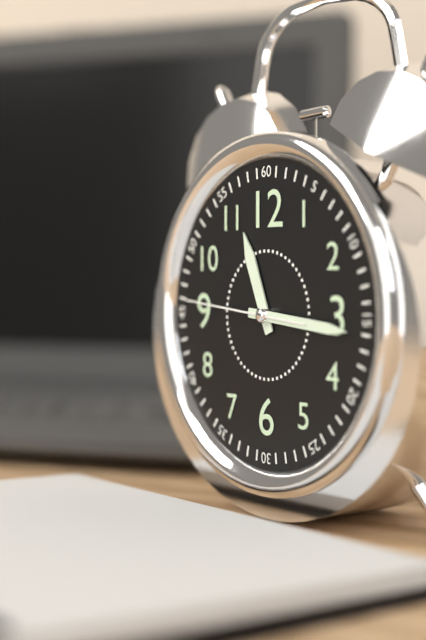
**11:16:46**
